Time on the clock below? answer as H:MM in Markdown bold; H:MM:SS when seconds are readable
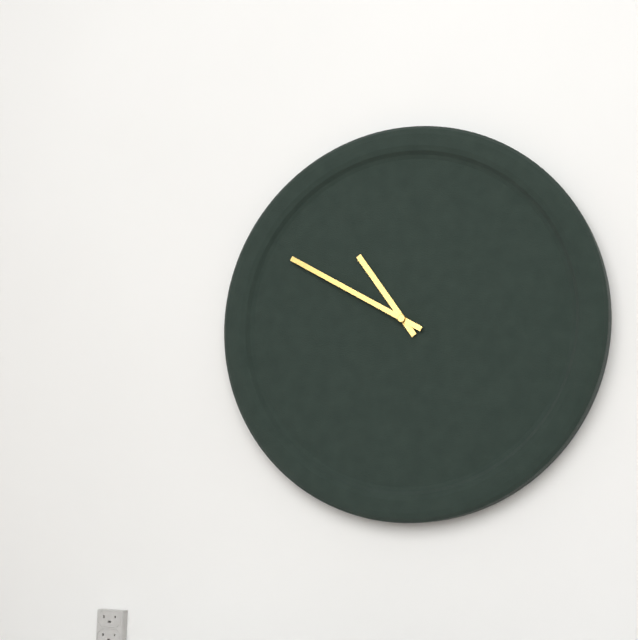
**10:50**
